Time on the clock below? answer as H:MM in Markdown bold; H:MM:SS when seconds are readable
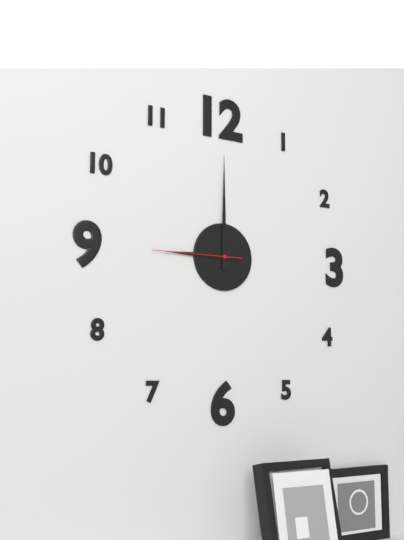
**9:00:45**
